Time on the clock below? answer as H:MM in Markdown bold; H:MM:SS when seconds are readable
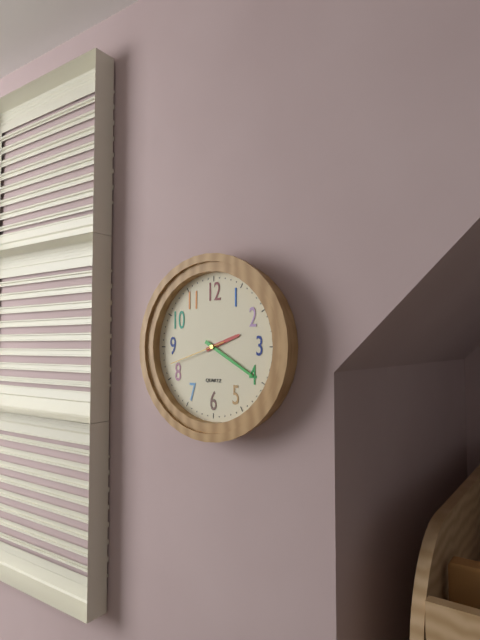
**2:20:42**
